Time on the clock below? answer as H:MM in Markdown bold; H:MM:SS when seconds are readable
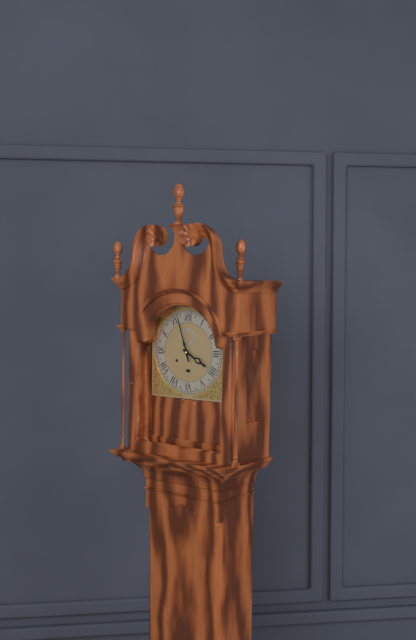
**3:57**
